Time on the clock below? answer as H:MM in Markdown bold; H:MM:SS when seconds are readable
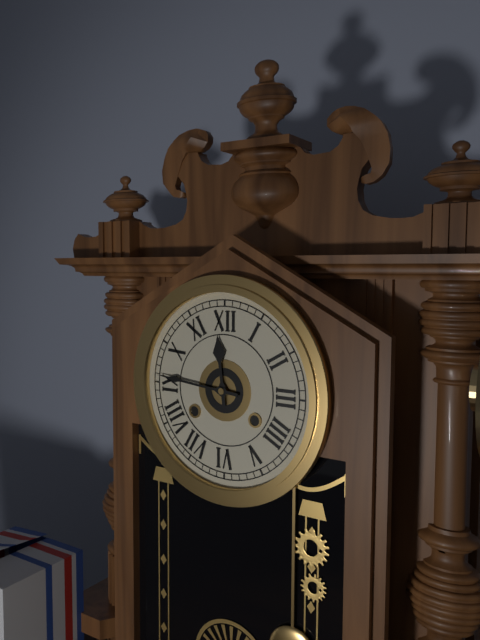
**11:46**
